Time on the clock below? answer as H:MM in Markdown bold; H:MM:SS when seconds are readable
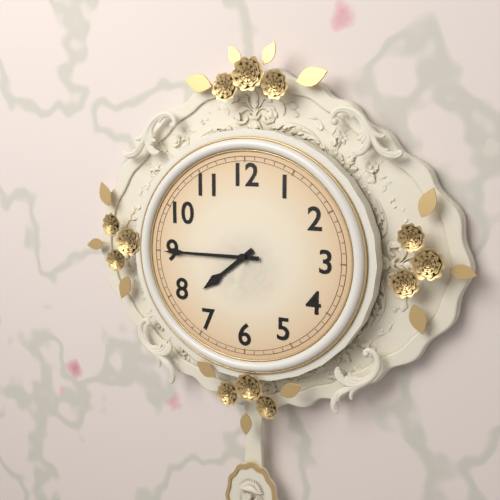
**7:45**
